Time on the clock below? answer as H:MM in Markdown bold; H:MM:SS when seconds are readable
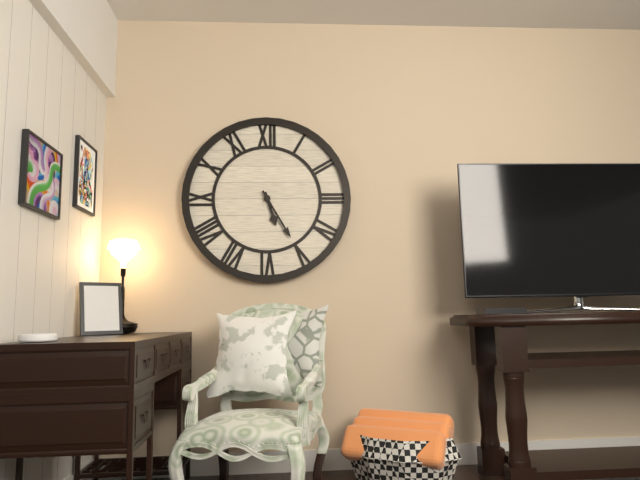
**5:25**
